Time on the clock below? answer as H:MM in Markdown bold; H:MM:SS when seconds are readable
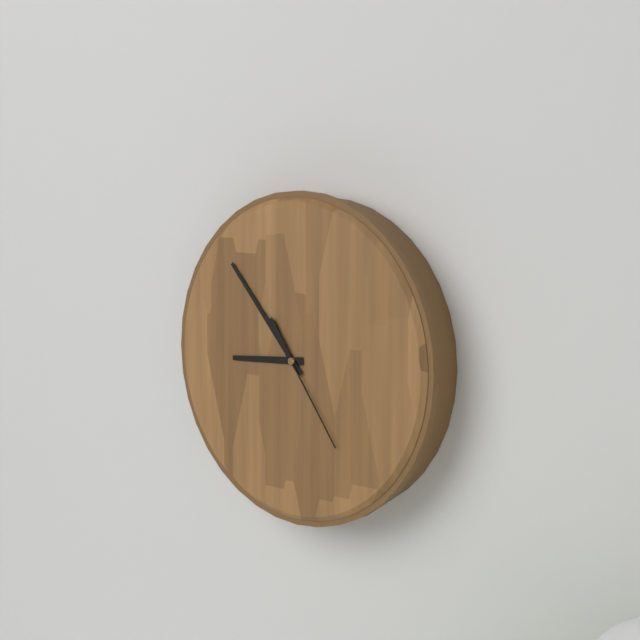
**8:53:24**
